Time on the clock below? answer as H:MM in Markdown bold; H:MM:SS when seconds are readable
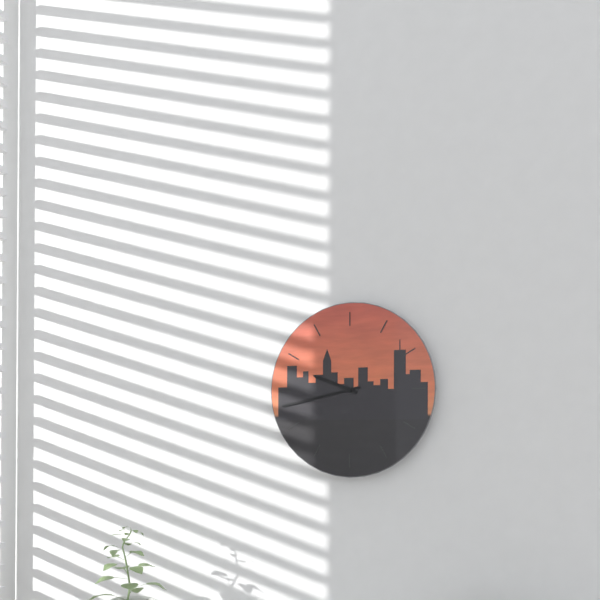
**9:43**
